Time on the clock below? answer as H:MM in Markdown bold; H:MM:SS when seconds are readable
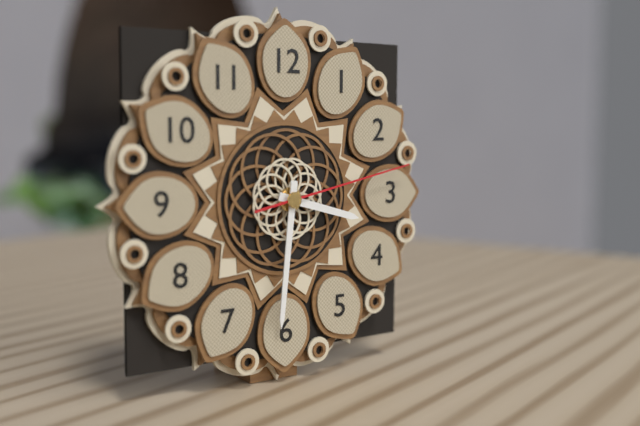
**3:31:13**
